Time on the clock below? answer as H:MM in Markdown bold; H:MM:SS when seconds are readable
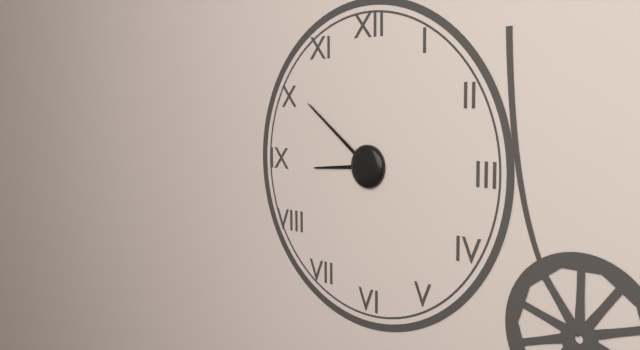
**8:51**
